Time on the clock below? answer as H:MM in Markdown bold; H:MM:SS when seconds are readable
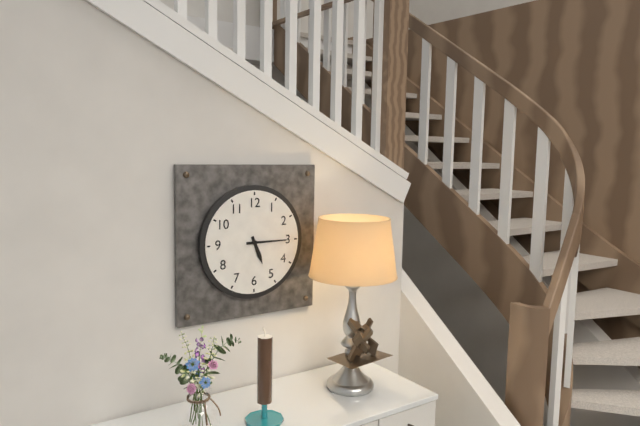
**5:15**
